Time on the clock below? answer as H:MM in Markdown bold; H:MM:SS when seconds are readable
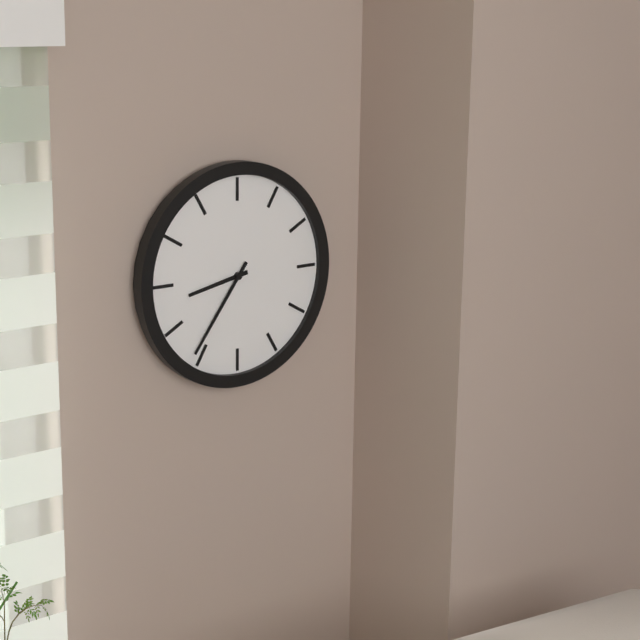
**8:36**
